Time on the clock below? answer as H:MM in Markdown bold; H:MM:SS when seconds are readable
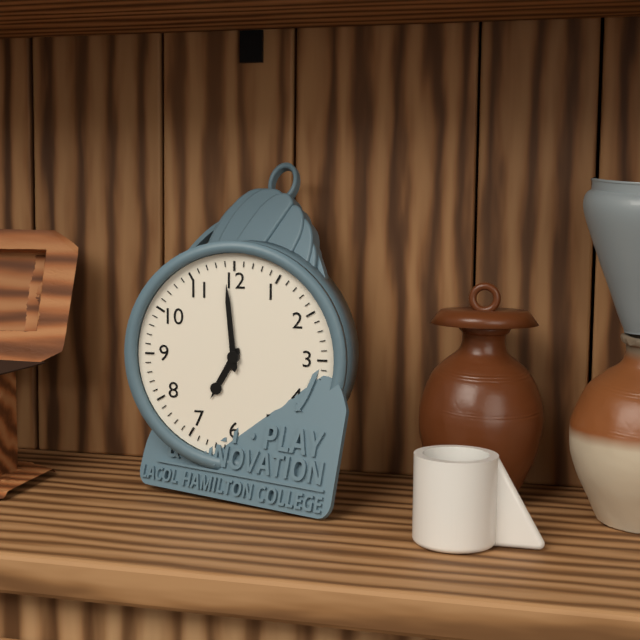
**6:59**
